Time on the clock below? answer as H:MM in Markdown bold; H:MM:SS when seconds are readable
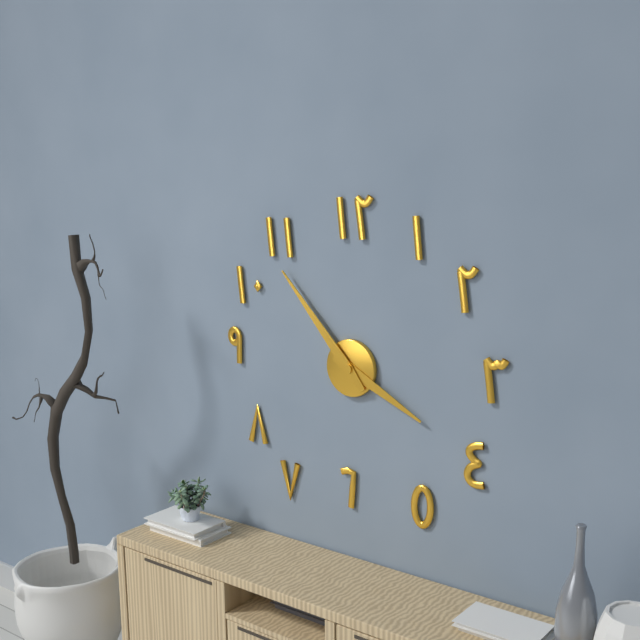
**3:53**
